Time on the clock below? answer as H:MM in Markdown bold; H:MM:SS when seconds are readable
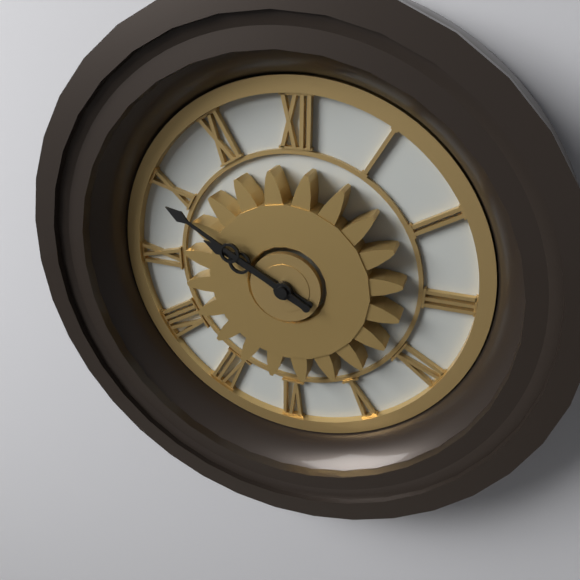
**9:50**
